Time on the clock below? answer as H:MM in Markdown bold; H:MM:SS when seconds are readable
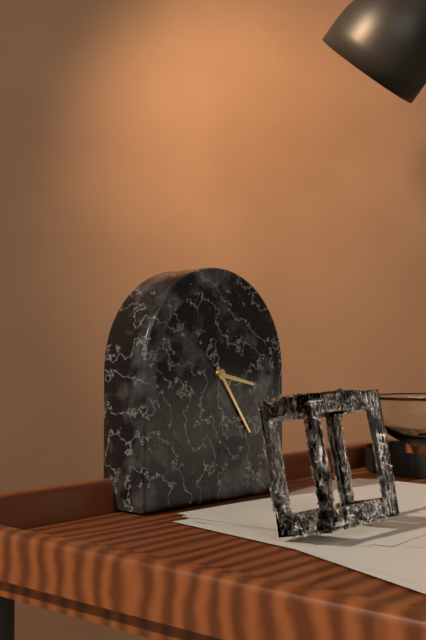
**3:24**
